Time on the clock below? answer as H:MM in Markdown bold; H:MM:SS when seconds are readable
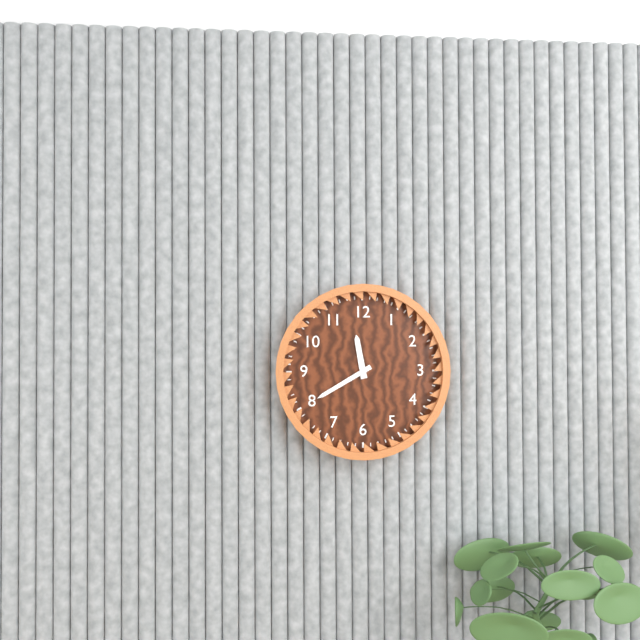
**11:40**
